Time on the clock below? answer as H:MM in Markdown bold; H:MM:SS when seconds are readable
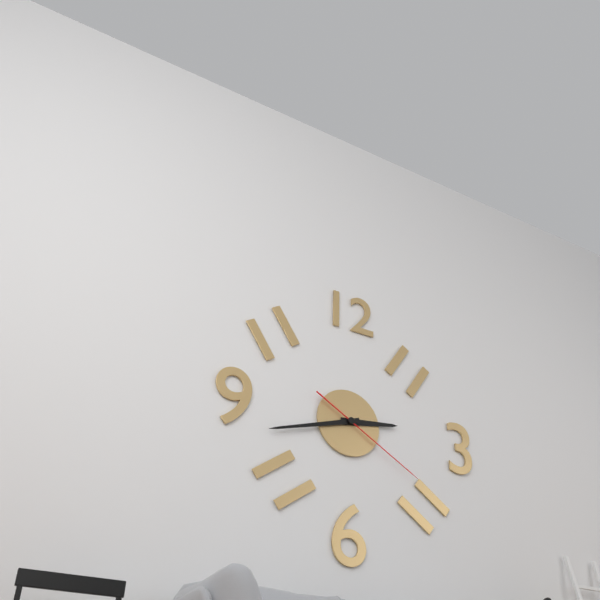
**2:42:20**
